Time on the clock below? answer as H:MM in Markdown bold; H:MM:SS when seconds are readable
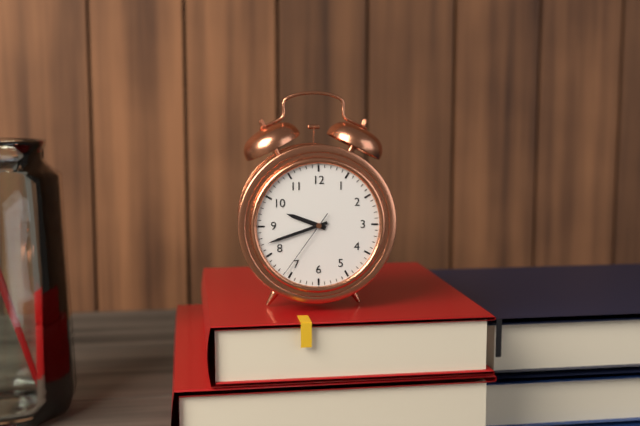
**9:42:36**
